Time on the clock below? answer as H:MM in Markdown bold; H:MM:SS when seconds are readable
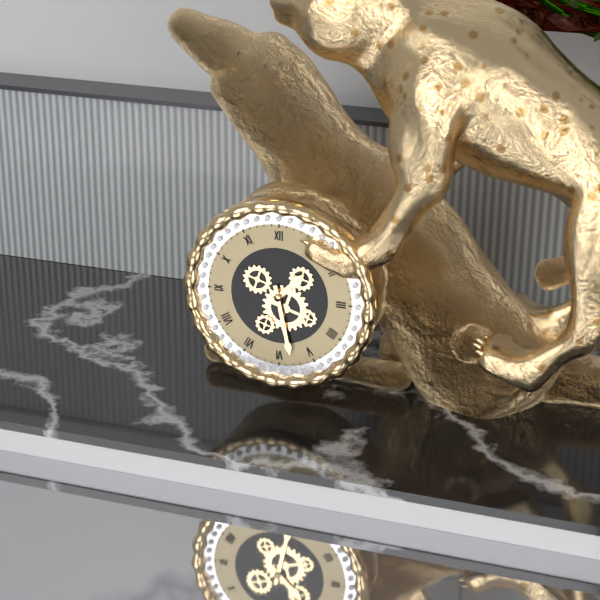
**1:28**
